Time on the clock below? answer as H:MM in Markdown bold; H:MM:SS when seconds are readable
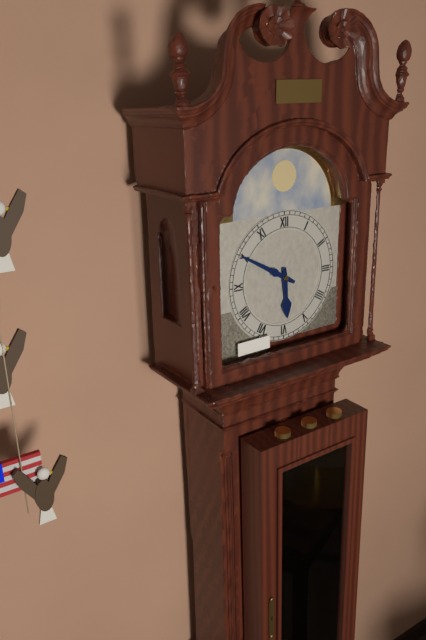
**5:50**
